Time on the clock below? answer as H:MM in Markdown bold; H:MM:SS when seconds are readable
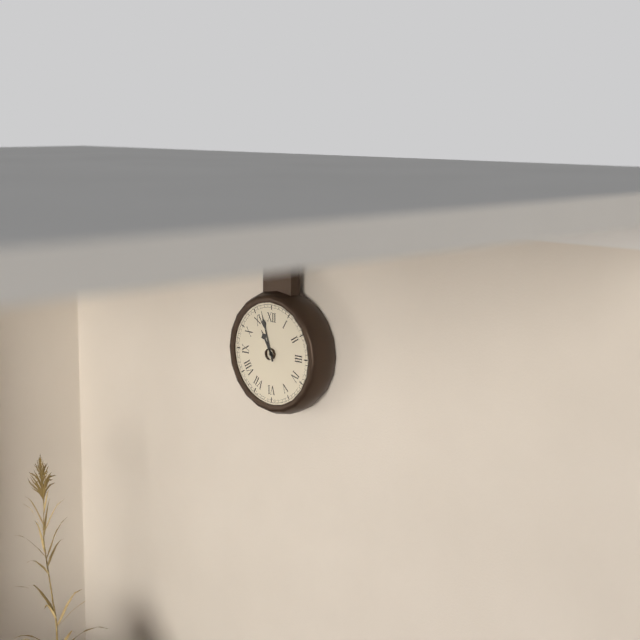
**10:57**
